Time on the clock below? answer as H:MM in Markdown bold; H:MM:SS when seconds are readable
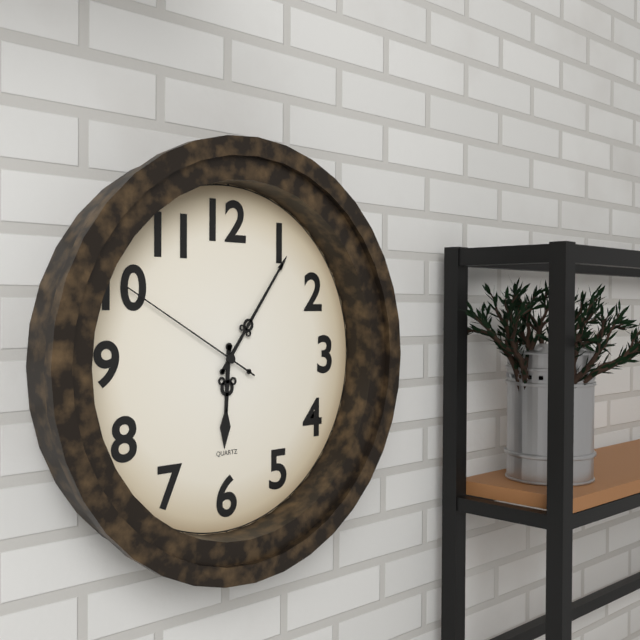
**6:06:50**
